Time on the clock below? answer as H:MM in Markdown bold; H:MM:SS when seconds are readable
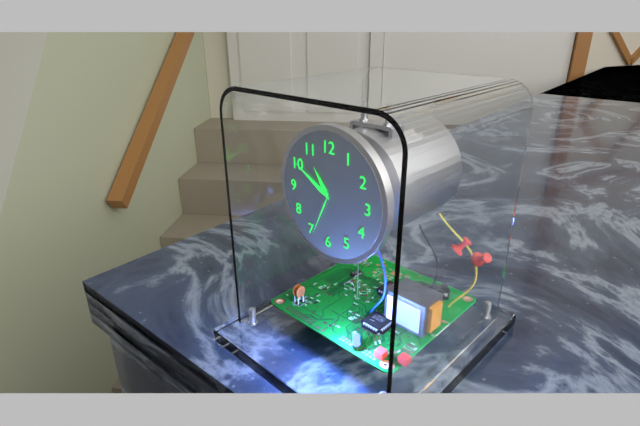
**10:50**
